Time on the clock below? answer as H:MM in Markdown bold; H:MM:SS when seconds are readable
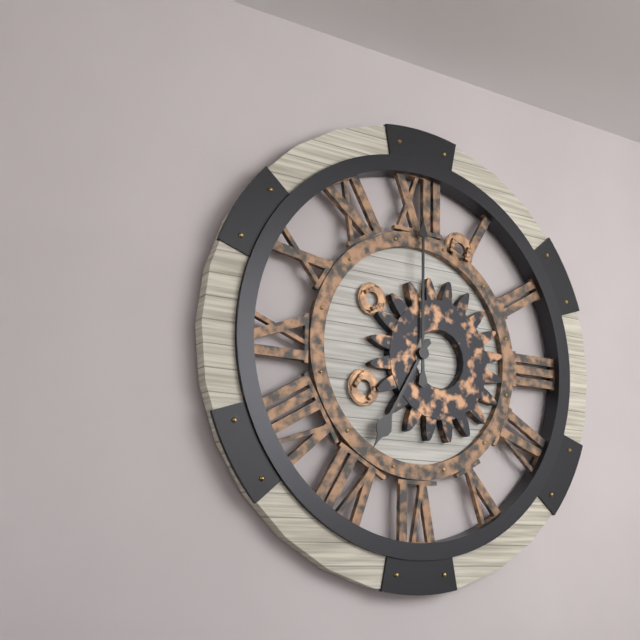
**7:00**
